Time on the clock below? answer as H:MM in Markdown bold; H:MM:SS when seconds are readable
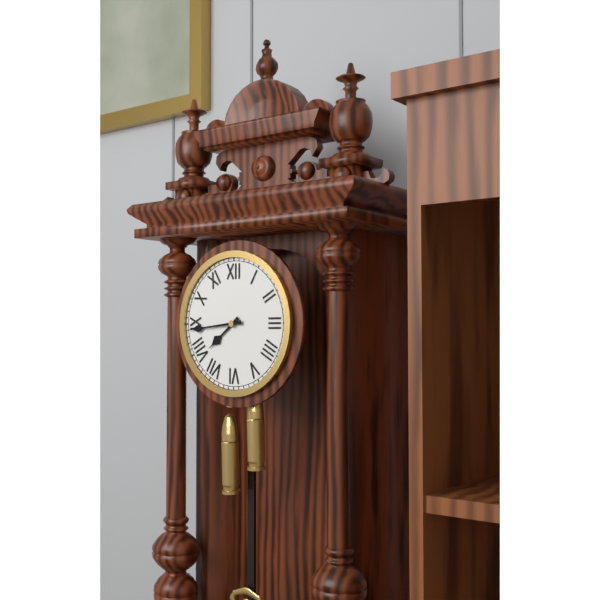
**7:44**
